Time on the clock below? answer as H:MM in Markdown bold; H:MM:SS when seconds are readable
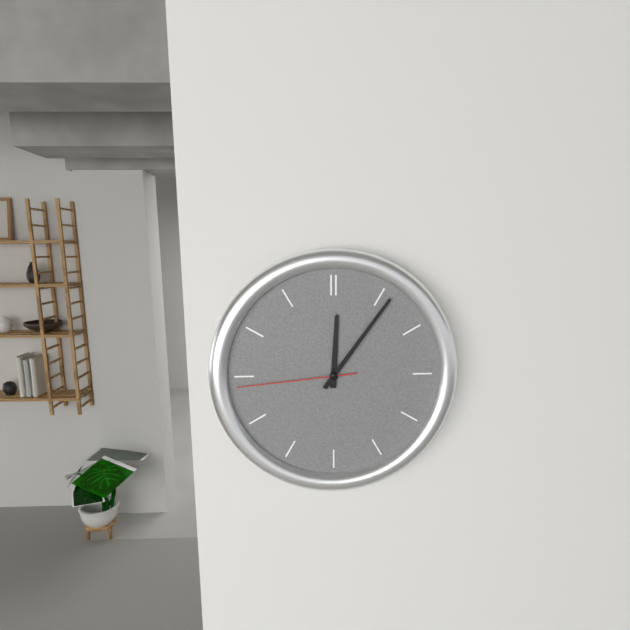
**12:06:44**
